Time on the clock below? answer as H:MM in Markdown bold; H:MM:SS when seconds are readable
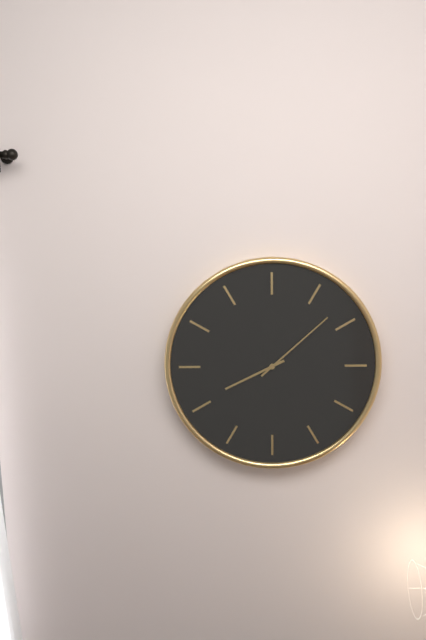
**8:08**
